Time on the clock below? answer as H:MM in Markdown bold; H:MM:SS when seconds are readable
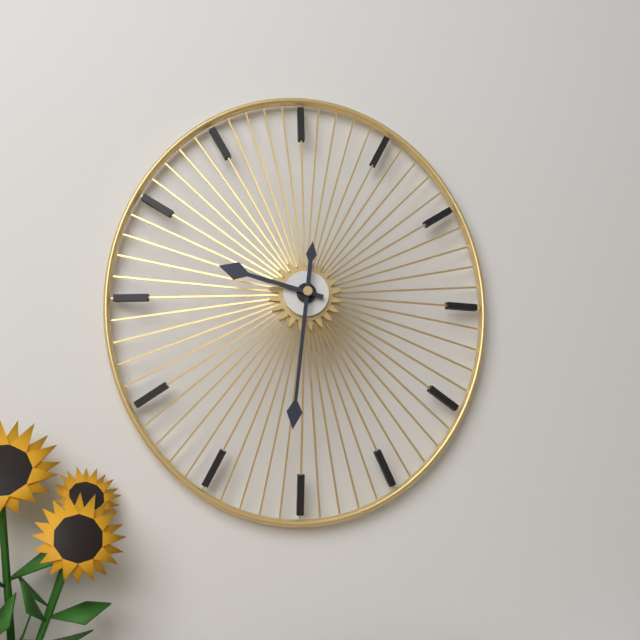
**9:31**
